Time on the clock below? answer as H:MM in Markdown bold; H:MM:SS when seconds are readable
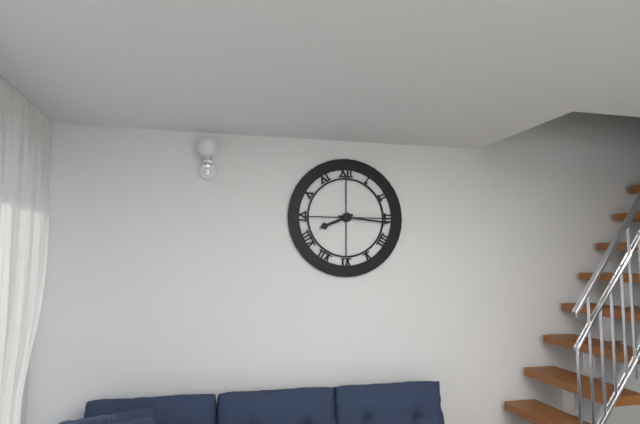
**8:16**
